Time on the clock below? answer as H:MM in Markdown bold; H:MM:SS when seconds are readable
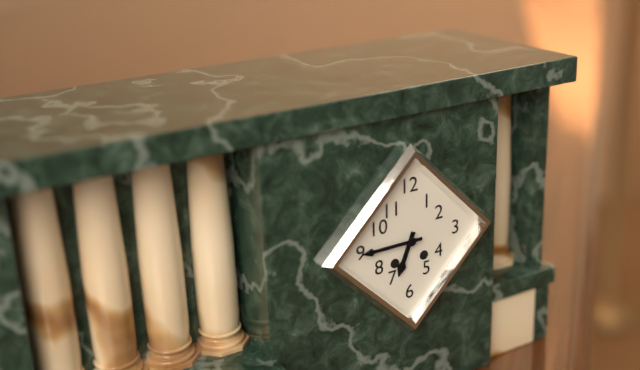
**6:45**
